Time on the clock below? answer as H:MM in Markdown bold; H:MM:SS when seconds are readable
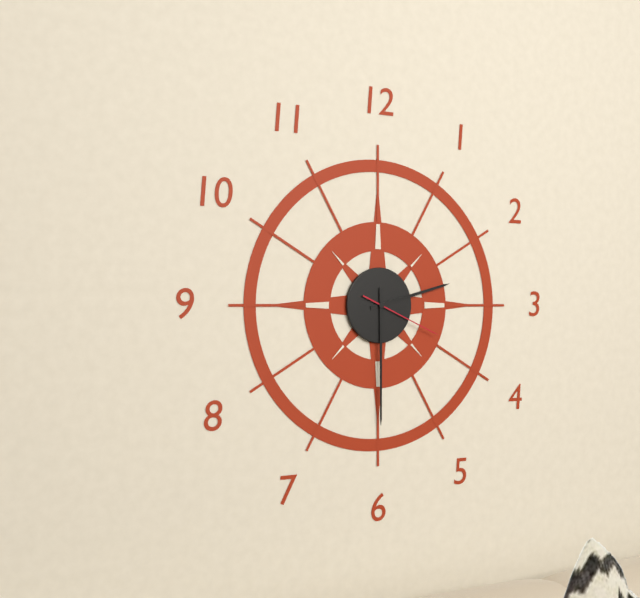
**2:30:19**
